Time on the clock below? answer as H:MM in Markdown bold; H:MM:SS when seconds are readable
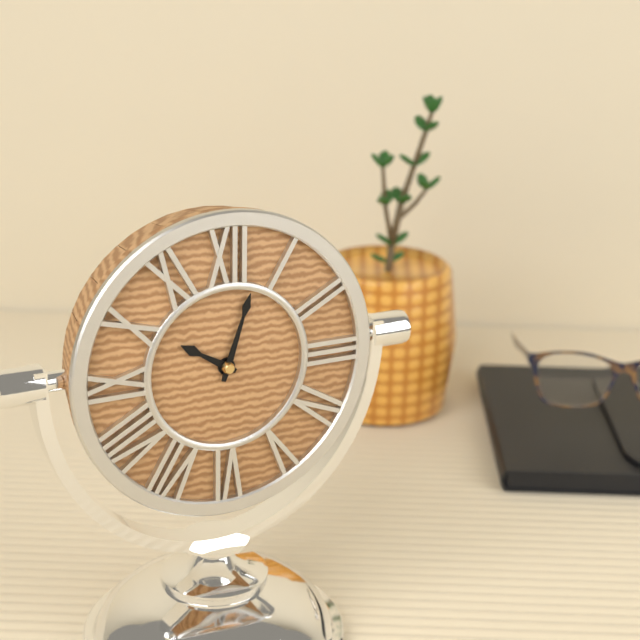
**10:03**
